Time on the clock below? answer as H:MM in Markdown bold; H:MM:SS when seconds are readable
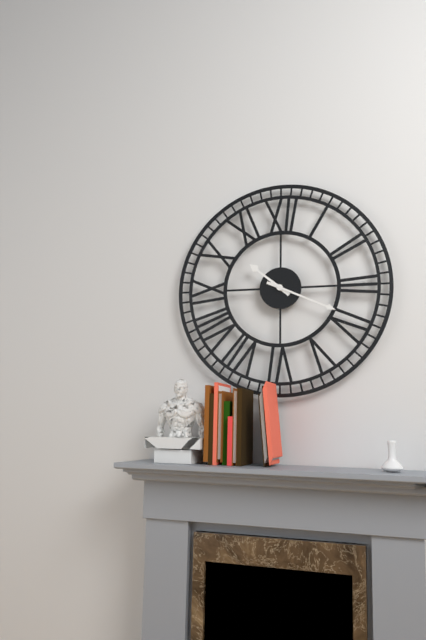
**10:19**
